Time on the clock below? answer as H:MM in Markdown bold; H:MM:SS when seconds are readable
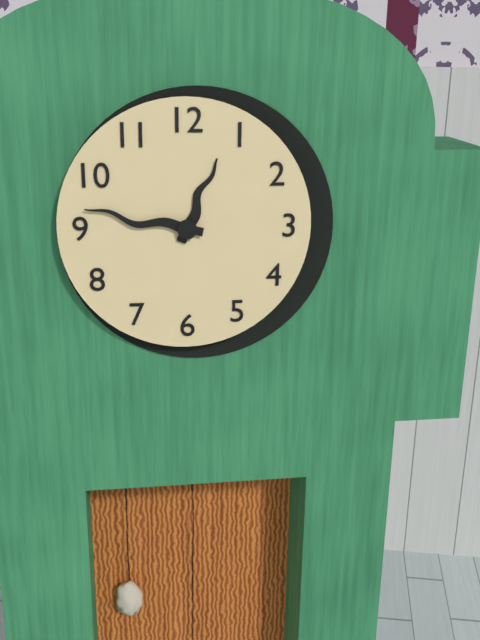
**12:47**
